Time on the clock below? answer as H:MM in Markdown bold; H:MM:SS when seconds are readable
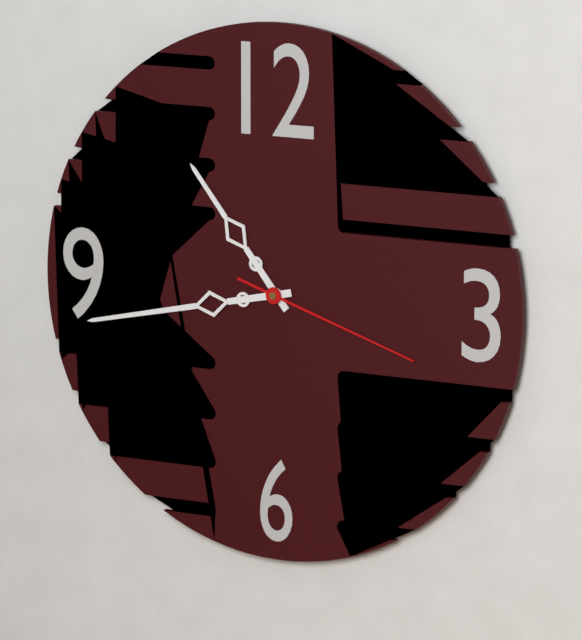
**10:43:18**
